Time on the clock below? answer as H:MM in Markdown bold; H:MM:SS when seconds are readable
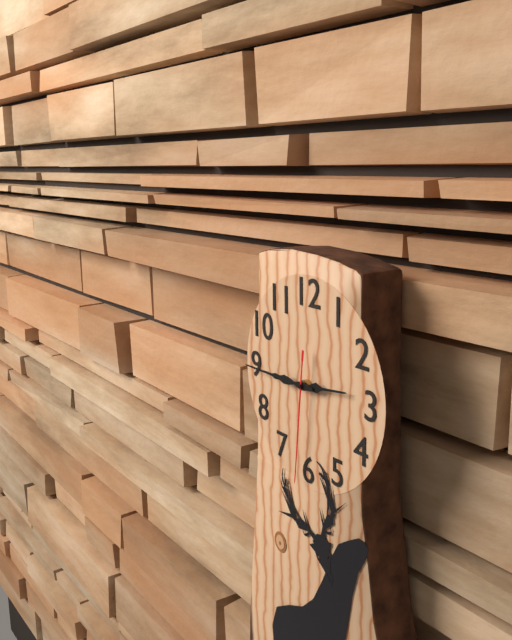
**2:45:31**
